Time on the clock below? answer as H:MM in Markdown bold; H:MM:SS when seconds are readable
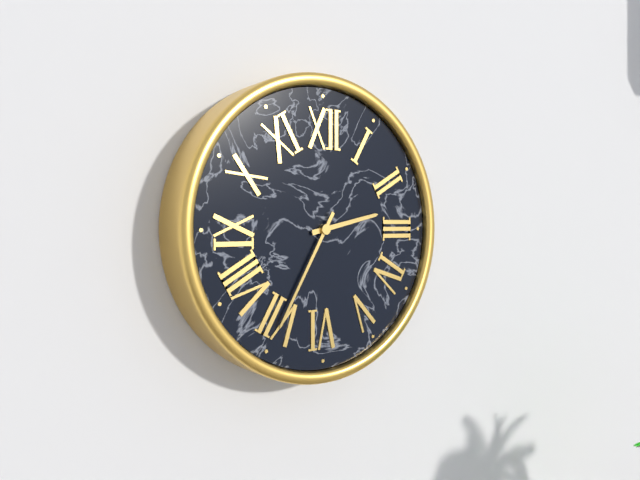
**2:35**
